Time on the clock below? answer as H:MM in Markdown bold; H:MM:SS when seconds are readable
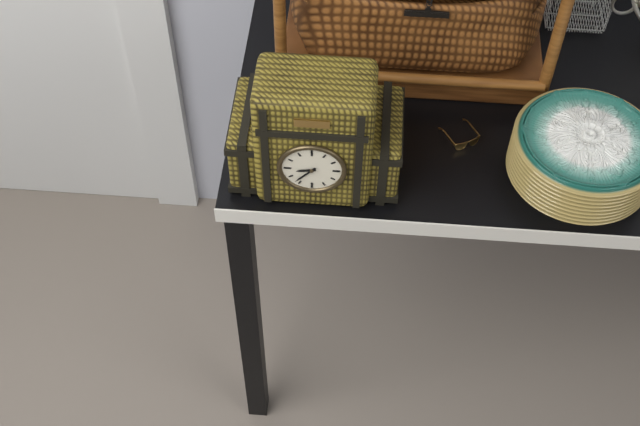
**8:37**
